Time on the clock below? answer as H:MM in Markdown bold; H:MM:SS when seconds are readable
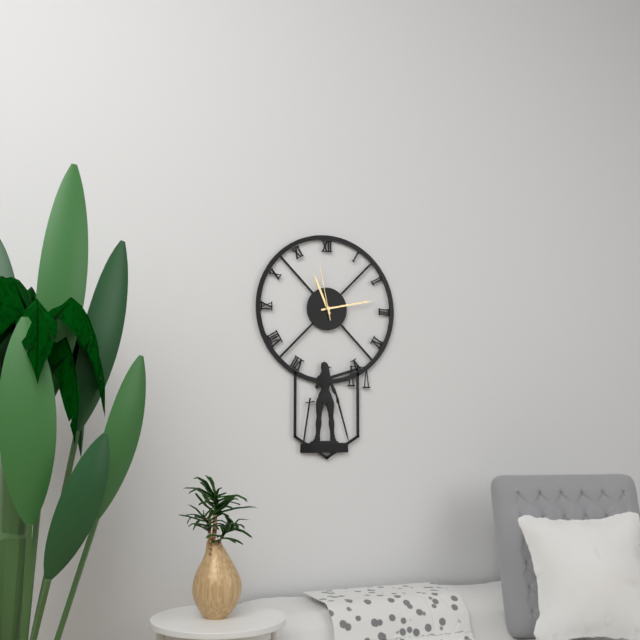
**11:13:58**
